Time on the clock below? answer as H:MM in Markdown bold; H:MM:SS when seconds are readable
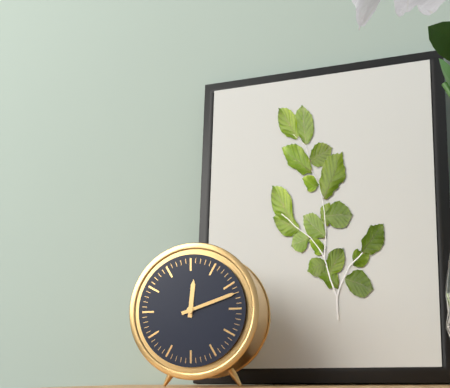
**12:12**
